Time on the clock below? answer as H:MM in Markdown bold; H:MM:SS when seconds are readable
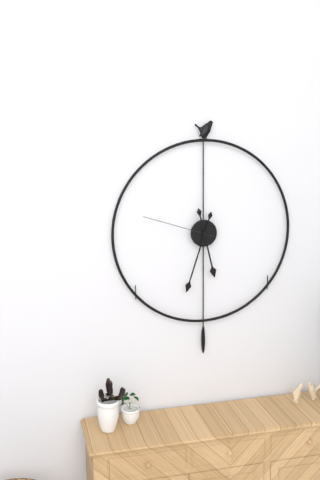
**5:33:48**
